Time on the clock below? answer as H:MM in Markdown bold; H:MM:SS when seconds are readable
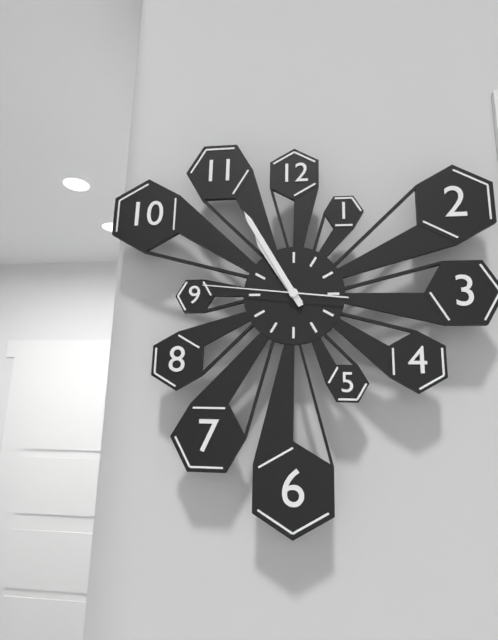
**10:55:46**
